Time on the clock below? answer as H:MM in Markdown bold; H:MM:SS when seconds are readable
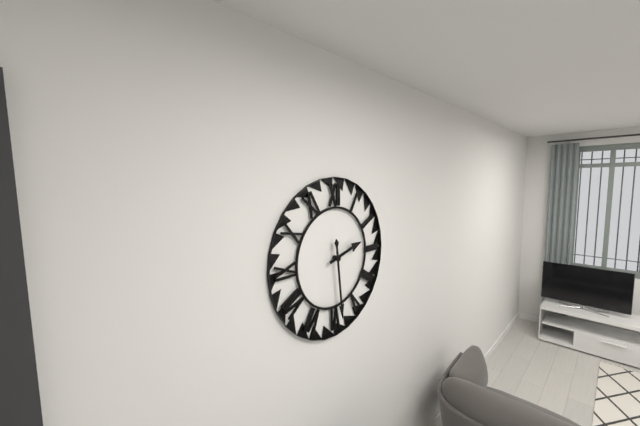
**2:29**
